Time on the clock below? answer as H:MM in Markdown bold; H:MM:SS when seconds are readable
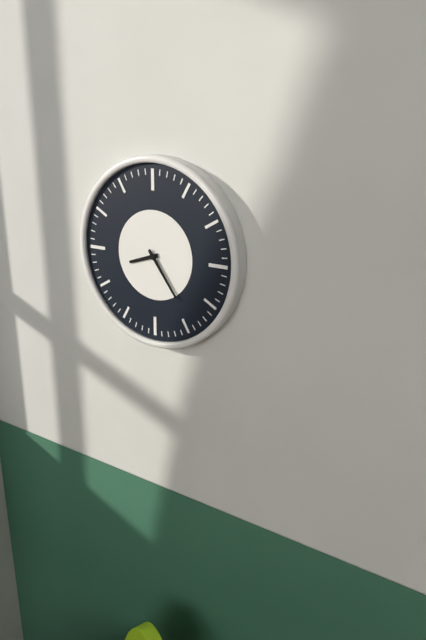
**8:24**
